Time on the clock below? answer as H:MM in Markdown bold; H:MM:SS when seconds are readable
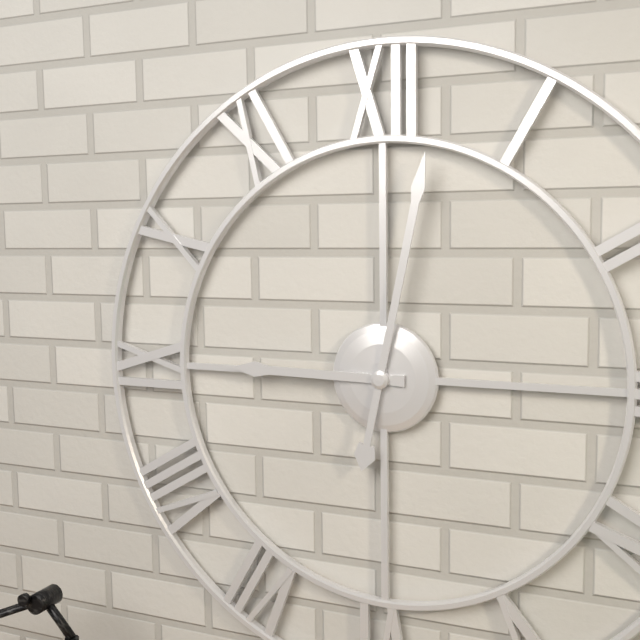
**9:02**
